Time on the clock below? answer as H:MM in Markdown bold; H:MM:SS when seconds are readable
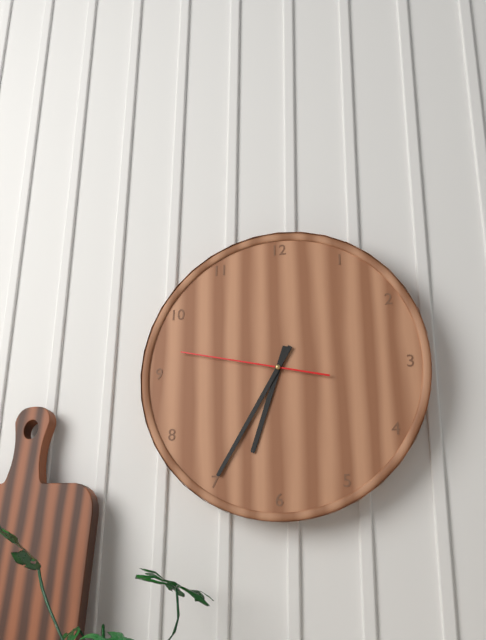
**6:35:47**
